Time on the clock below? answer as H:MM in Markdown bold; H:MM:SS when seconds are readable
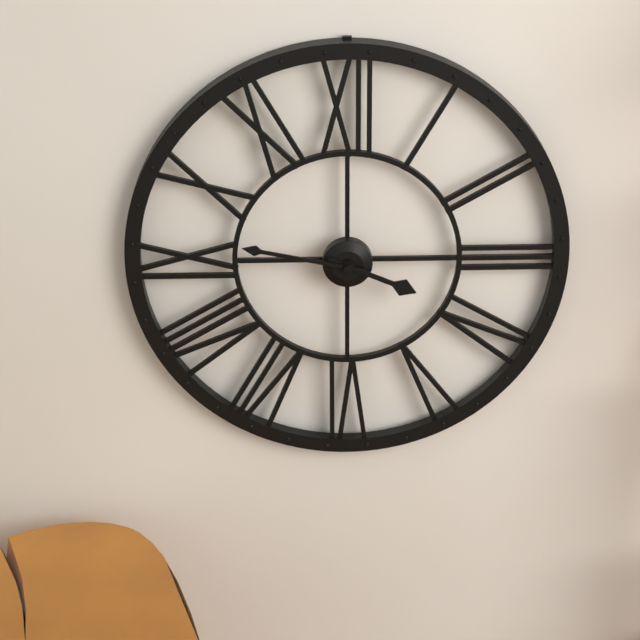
**3:47**
